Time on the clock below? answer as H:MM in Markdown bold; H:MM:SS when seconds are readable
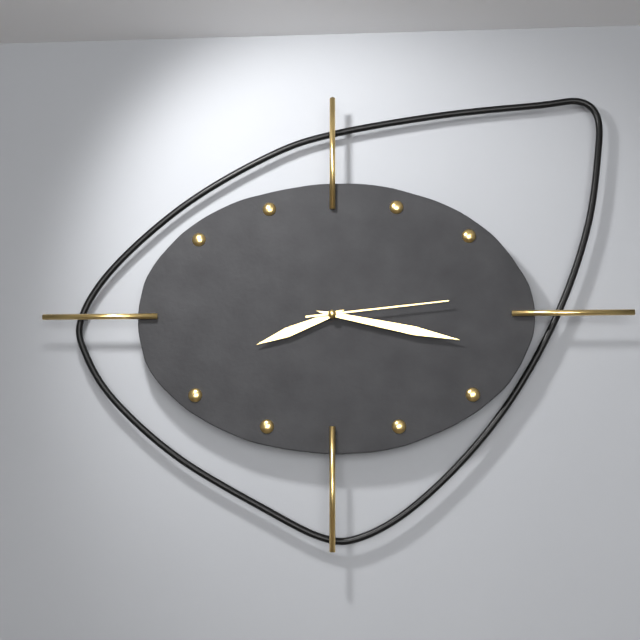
**8:17:14**
